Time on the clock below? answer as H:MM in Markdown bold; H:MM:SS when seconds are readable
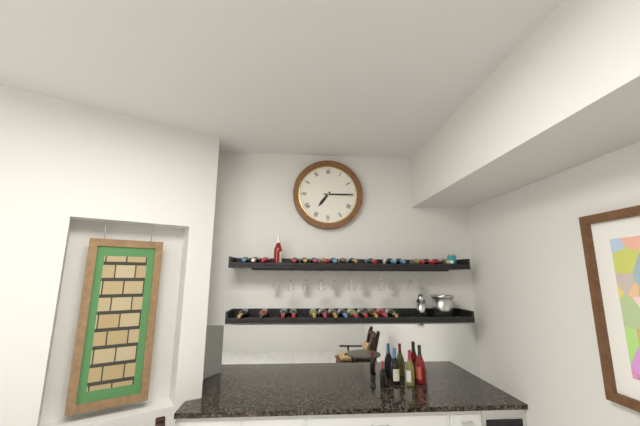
**7:15**
